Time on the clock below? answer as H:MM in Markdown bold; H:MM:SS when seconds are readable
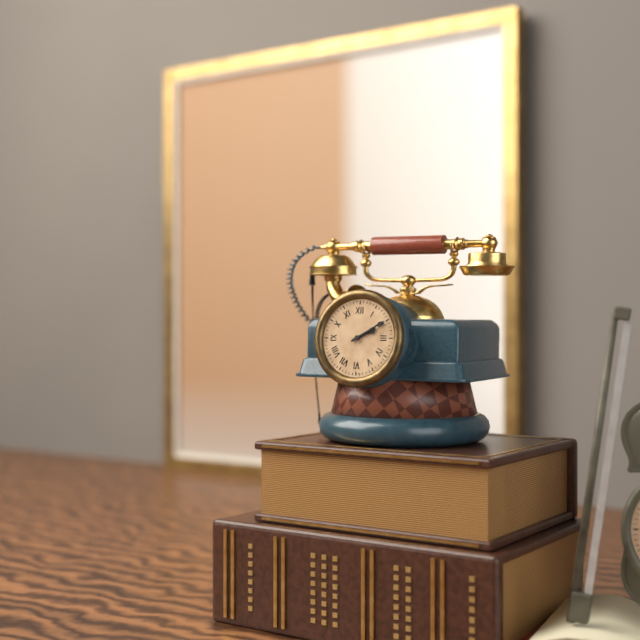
**2:10**
